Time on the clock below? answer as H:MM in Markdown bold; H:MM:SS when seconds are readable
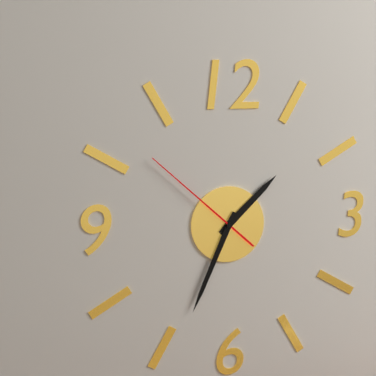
**1:34:52**
